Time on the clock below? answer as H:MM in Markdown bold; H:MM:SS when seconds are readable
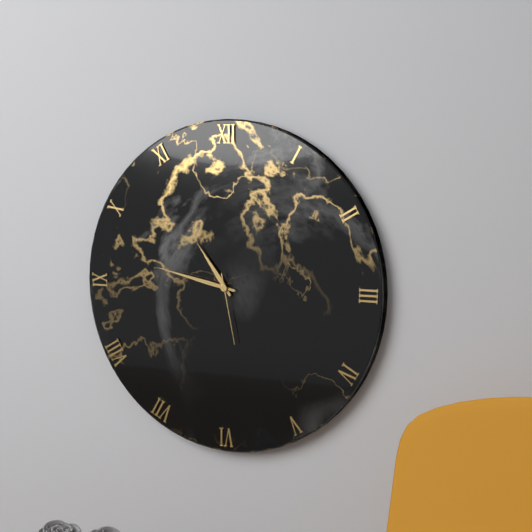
**10:47:28**
